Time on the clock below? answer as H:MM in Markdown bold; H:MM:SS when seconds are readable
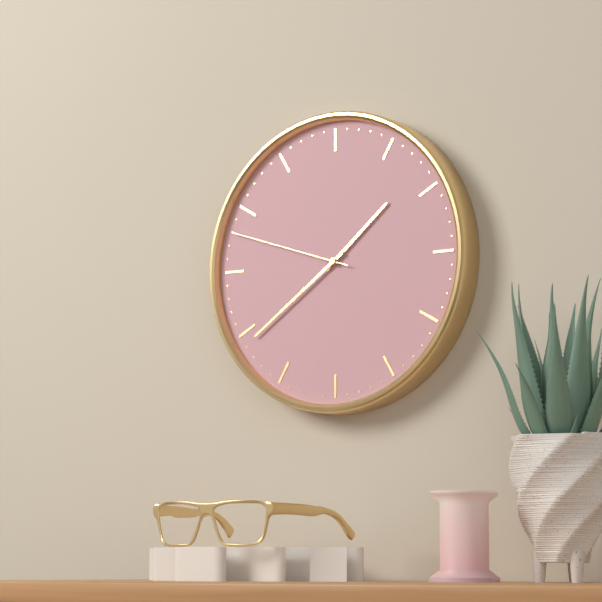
**1:39:48**
